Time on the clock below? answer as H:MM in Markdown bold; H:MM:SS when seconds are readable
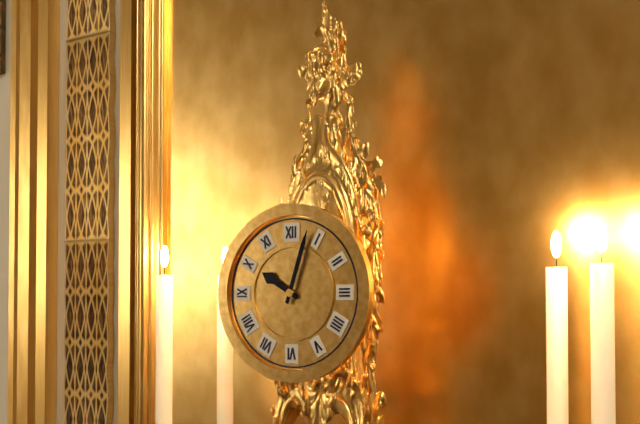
**10:03**
